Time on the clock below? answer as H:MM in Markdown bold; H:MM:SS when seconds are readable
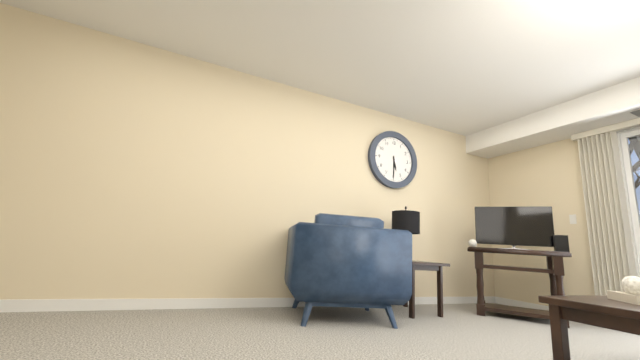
**5:30**
